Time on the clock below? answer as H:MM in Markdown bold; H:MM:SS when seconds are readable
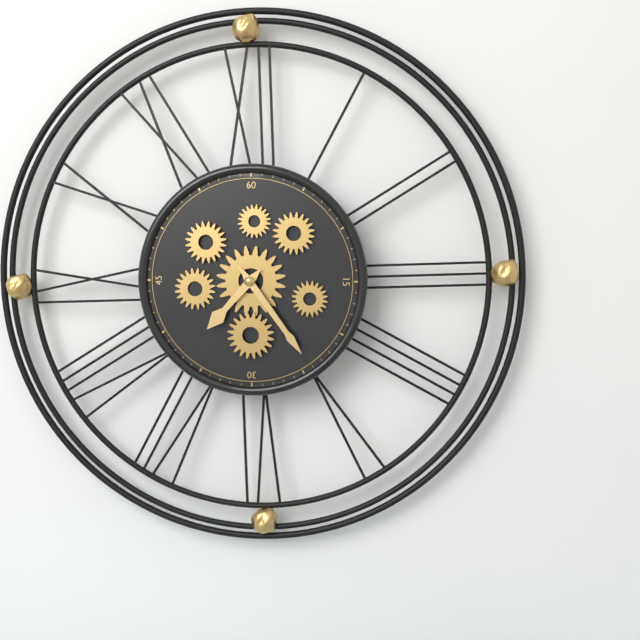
**7:24**
